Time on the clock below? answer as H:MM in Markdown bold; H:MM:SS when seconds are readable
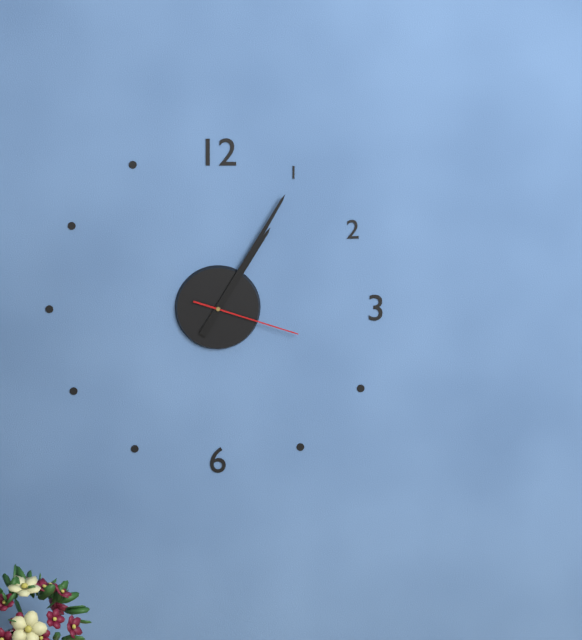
**1:05:18**
